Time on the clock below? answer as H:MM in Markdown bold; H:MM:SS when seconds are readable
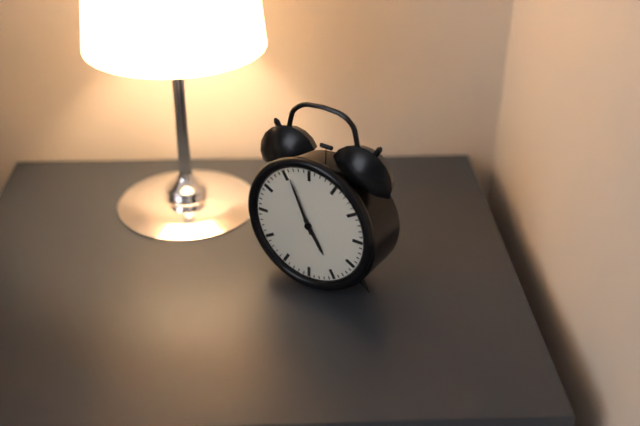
**4:56**
